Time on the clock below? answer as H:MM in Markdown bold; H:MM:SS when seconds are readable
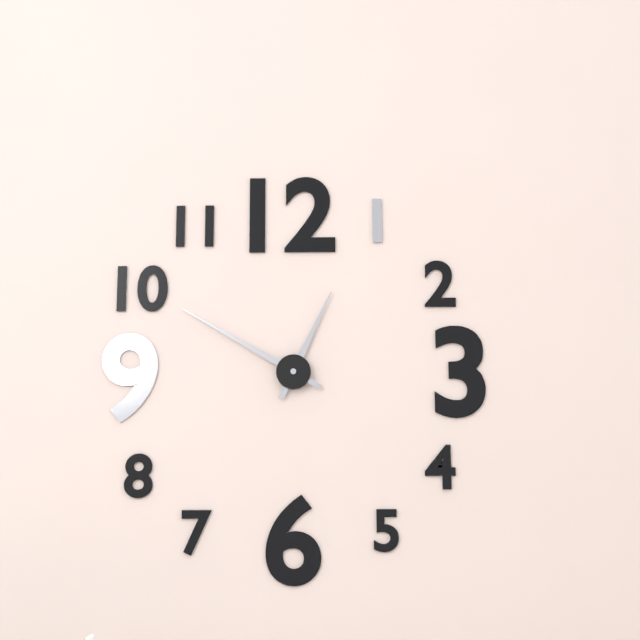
**12:50**
